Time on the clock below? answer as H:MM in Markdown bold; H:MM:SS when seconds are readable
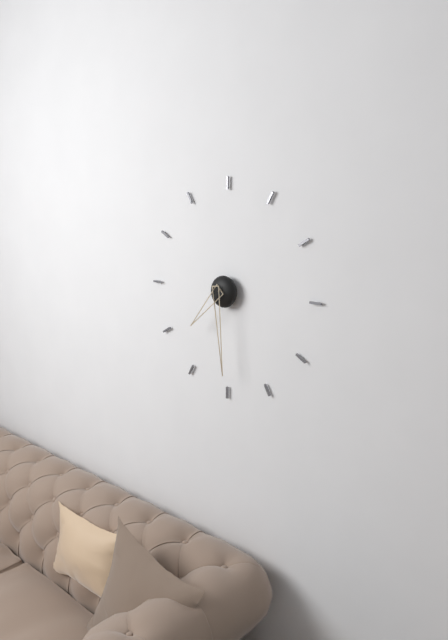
**7:29**
